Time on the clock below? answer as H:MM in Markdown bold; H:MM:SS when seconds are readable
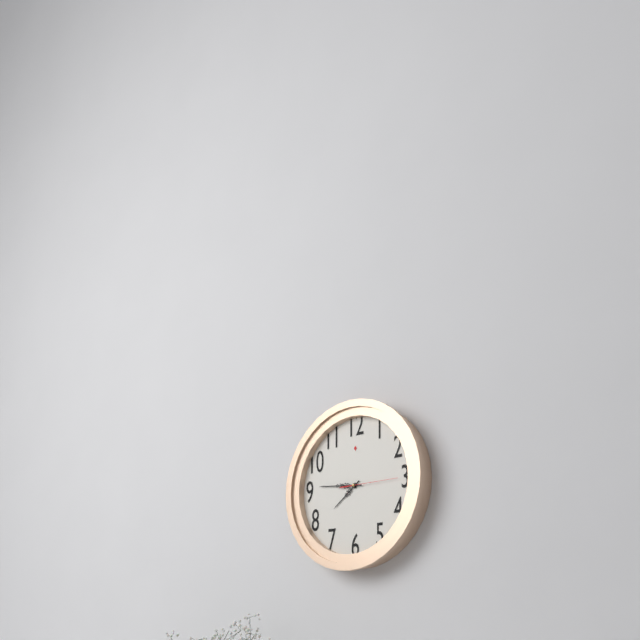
**7:46:15**
